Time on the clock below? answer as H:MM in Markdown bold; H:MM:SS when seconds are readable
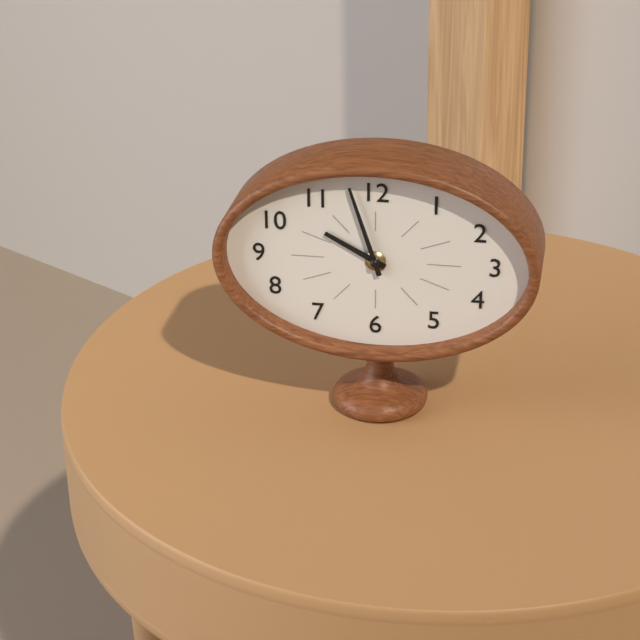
**9:57**
